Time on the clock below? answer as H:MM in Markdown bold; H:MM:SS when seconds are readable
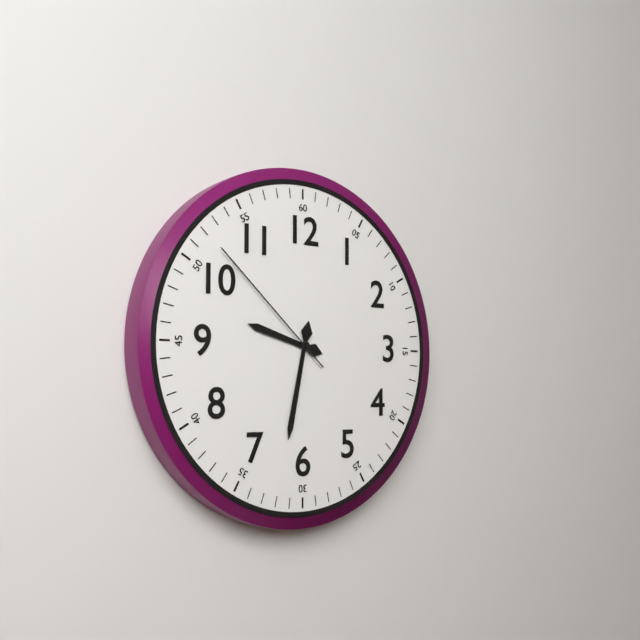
**9:32:52**
